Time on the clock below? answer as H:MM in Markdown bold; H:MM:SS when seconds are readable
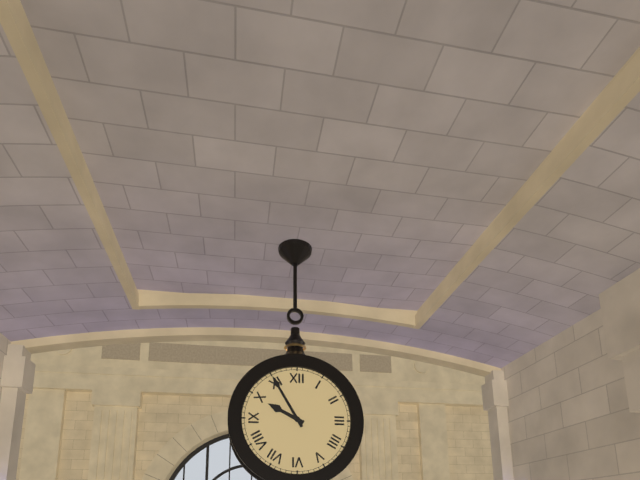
**9:55**
